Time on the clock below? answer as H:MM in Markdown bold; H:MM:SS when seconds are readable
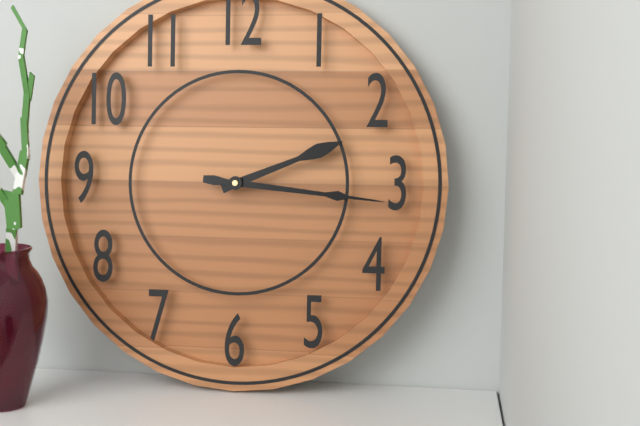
**2:16**
